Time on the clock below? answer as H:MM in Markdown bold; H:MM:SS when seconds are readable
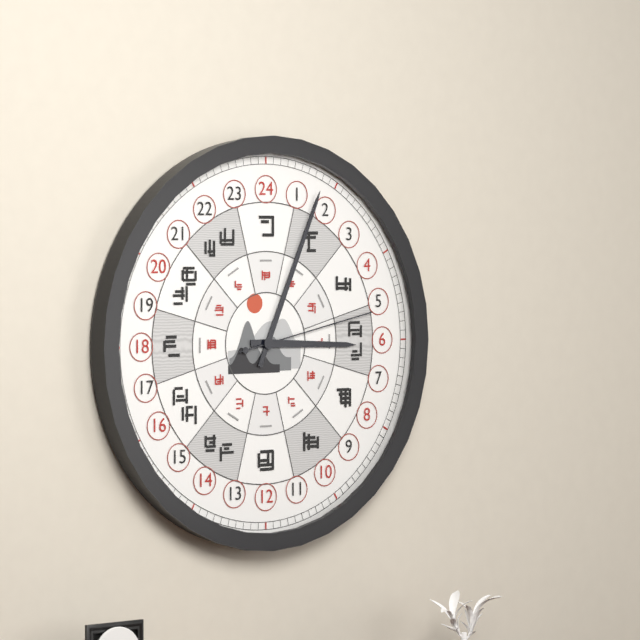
**3:04:13**
